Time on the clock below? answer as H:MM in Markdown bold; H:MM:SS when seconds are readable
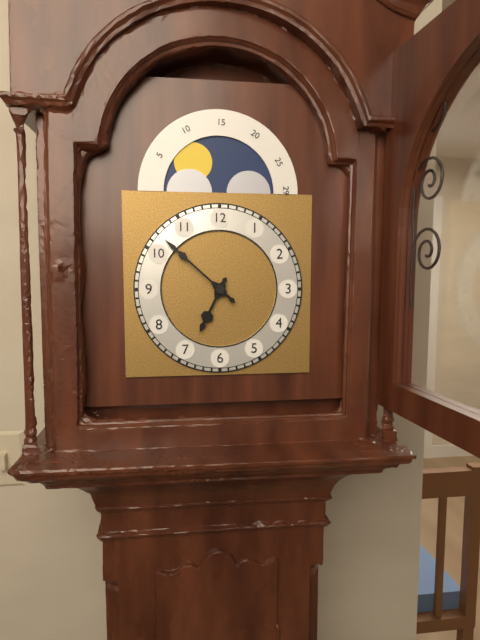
**6:52**
